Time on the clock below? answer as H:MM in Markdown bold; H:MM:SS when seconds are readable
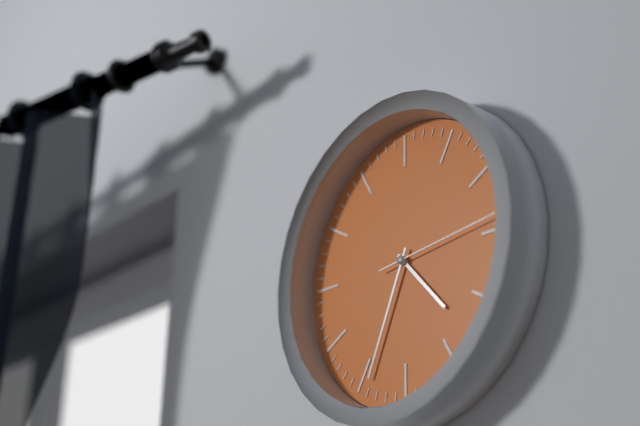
**4:34:14**
